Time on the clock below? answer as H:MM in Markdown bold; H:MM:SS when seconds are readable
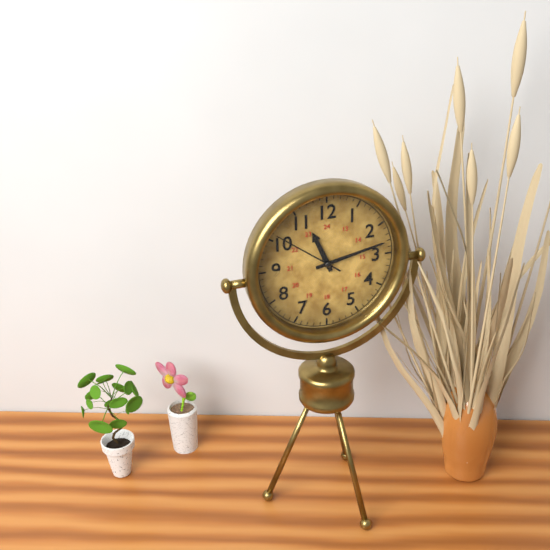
**11:13:51**
